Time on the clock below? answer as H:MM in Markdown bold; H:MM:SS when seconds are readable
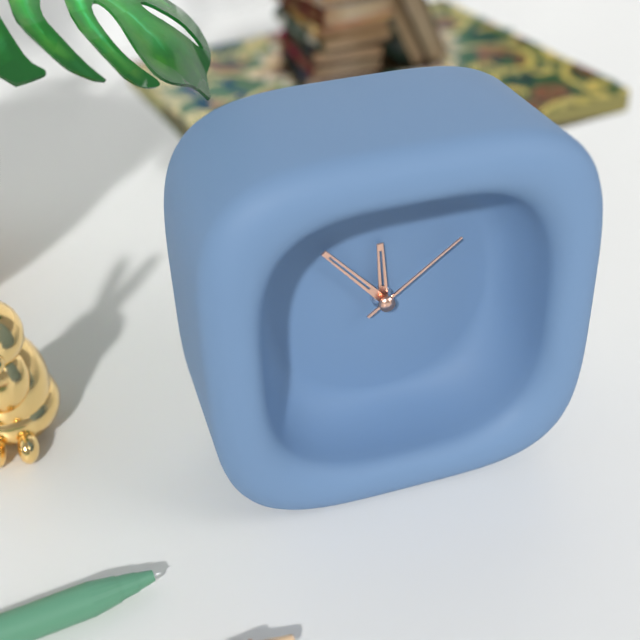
**11:53:09**
